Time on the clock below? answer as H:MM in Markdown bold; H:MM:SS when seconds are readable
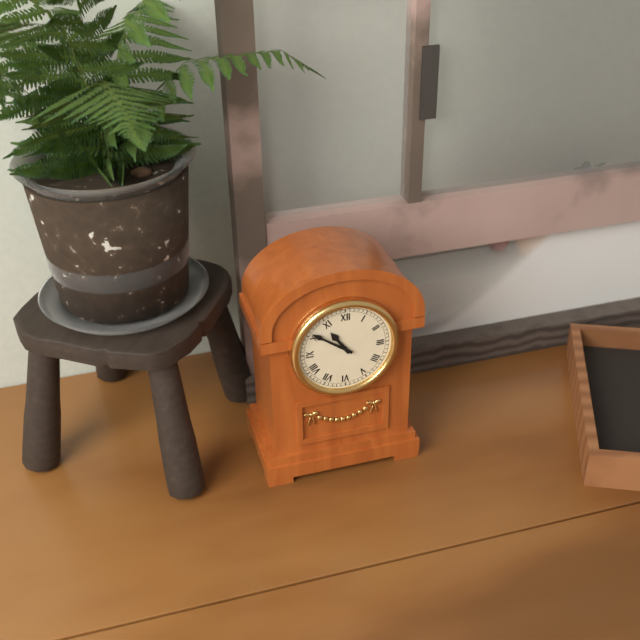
**10:51**
